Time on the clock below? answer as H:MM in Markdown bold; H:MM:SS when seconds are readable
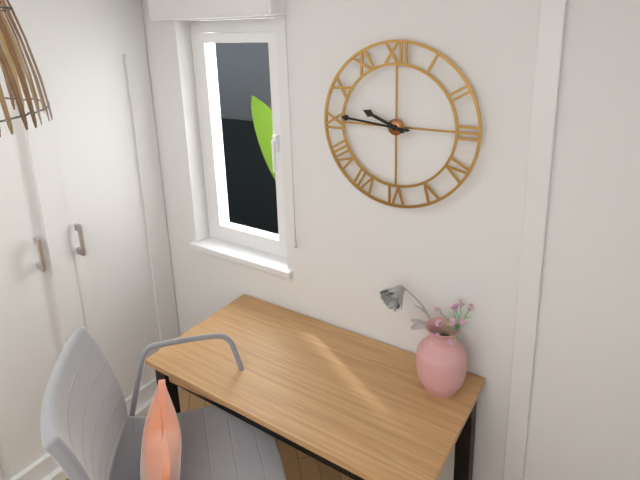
**9:46**
